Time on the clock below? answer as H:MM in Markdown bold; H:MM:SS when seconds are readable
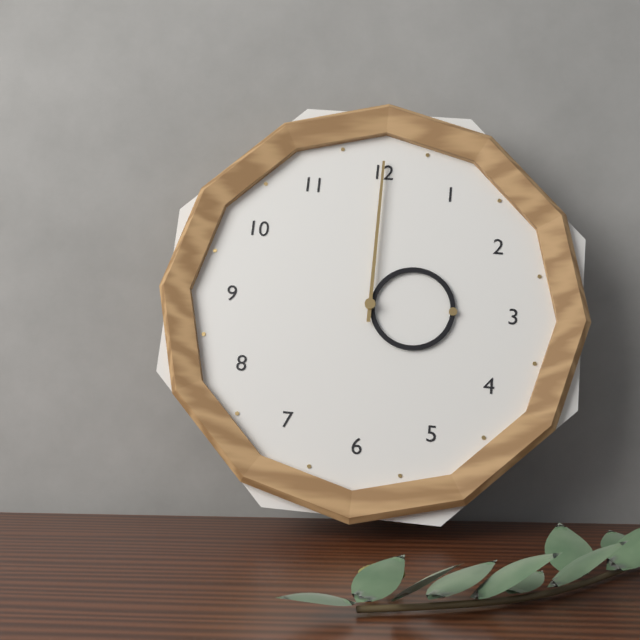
**3:00**
